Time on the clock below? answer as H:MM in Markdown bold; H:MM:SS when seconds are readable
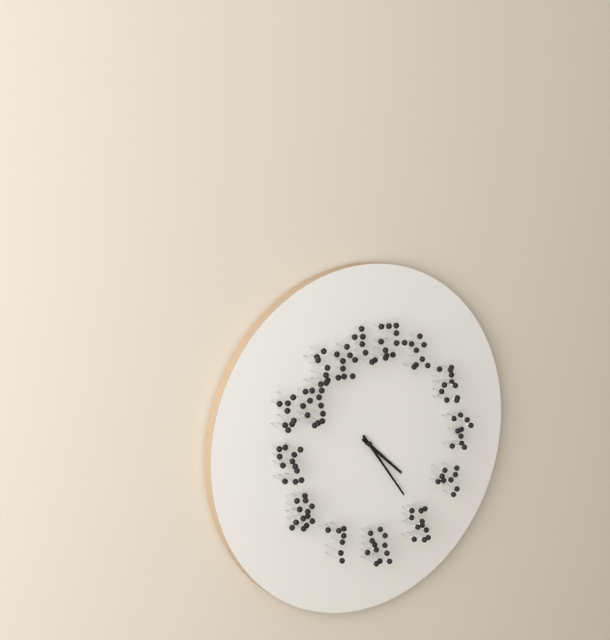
**4:24**
